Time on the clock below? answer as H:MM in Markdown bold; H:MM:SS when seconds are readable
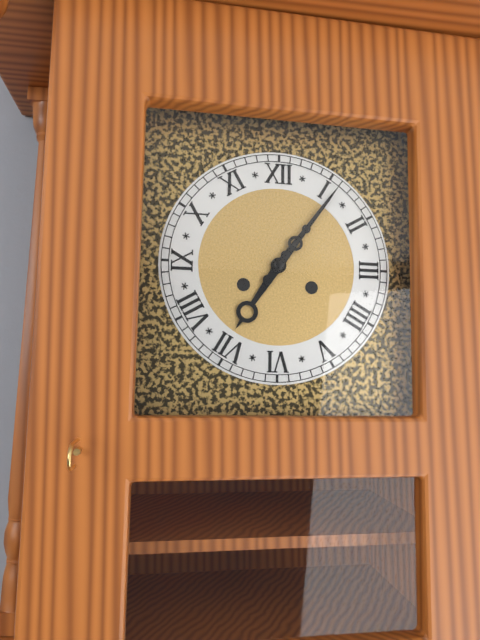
**7:06**
